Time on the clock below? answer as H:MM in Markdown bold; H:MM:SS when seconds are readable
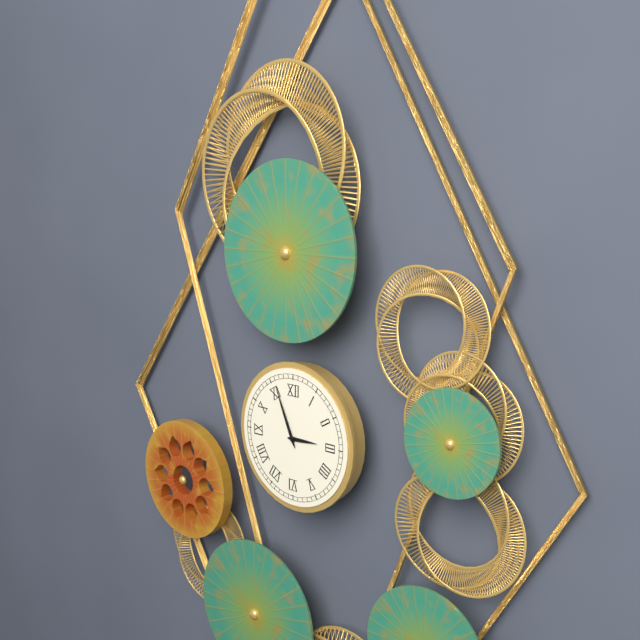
**2:56**
